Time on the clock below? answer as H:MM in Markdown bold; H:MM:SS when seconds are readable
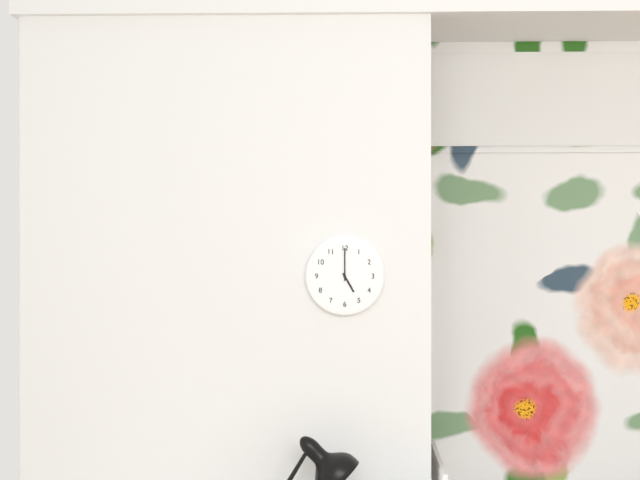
**5:00**
